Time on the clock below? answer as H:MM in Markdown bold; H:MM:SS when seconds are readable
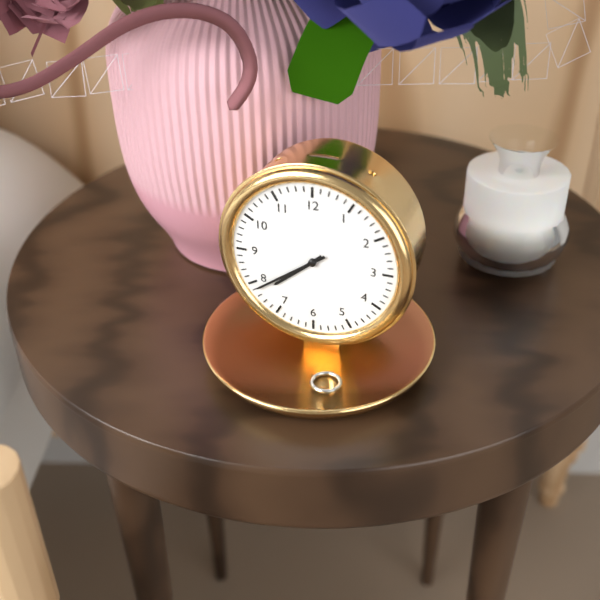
**7:39**
